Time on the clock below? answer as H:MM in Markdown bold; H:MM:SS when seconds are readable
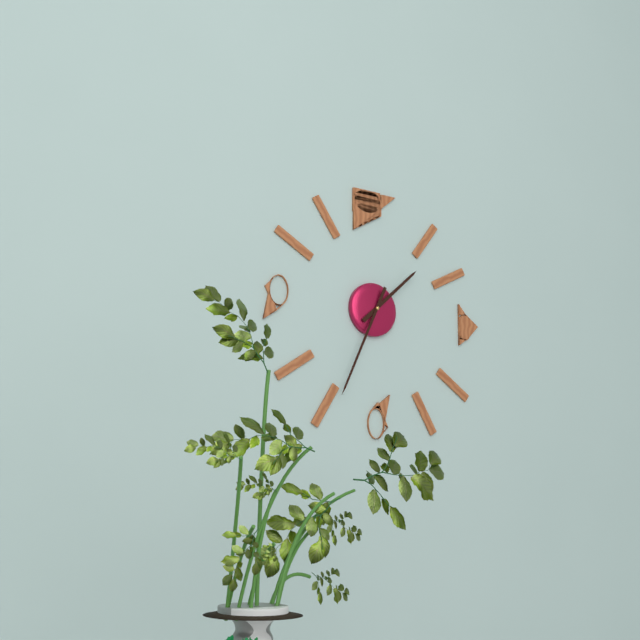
**1:34**
